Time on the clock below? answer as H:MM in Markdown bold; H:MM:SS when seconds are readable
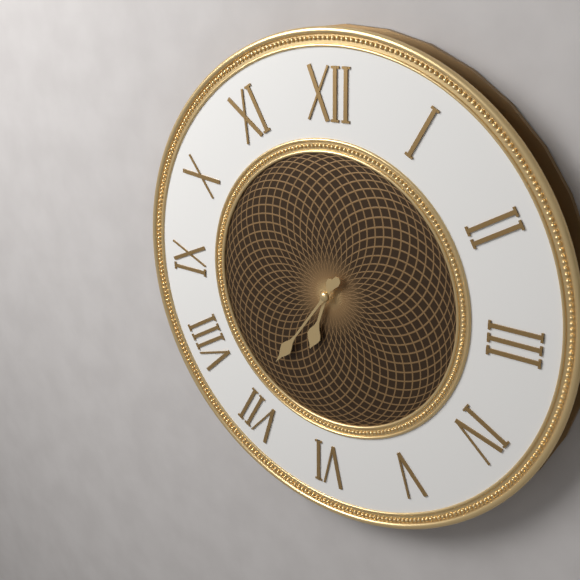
**6:36**
